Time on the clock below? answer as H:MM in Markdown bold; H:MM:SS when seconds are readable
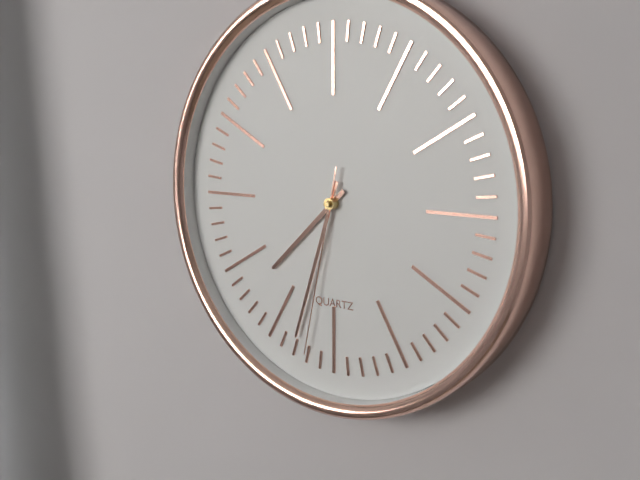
**7:33:32**
